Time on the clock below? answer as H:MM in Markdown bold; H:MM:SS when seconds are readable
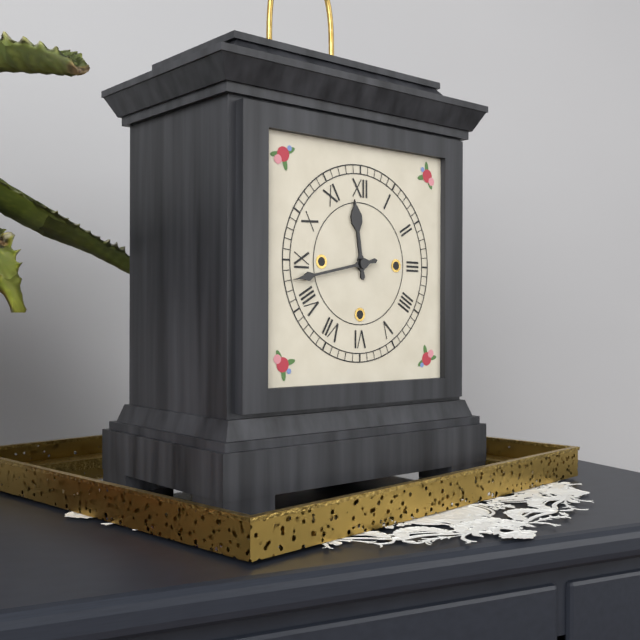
**11:43**
